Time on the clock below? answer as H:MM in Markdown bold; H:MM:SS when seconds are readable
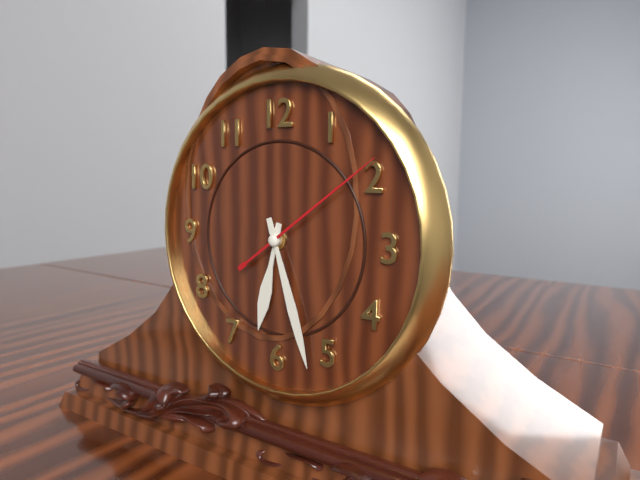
**6:27:09**
